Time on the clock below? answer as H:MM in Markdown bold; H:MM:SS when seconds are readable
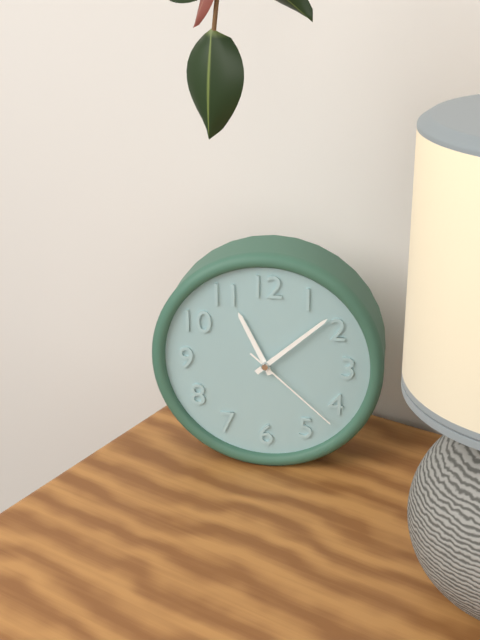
**11:08:22**
